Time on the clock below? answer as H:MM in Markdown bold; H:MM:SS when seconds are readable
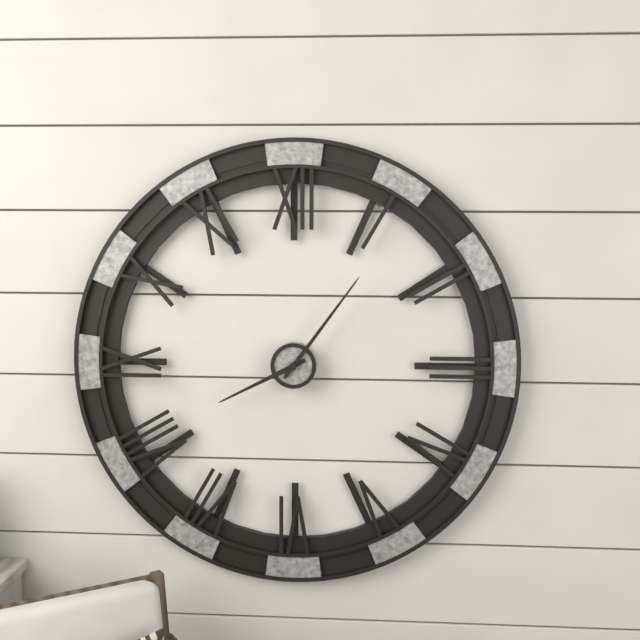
**8:06**
